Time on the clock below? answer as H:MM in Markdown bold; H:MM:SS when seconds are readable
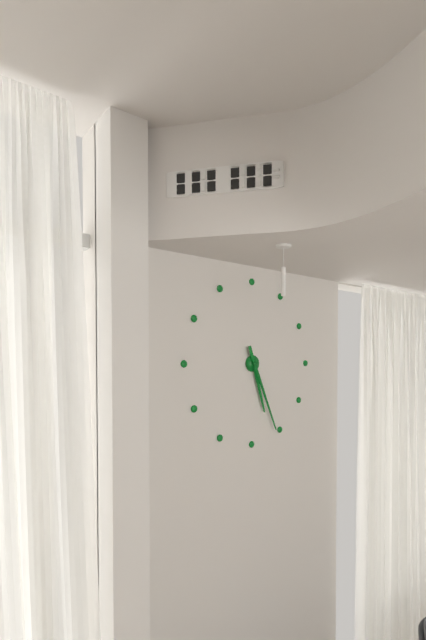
**5:26**
